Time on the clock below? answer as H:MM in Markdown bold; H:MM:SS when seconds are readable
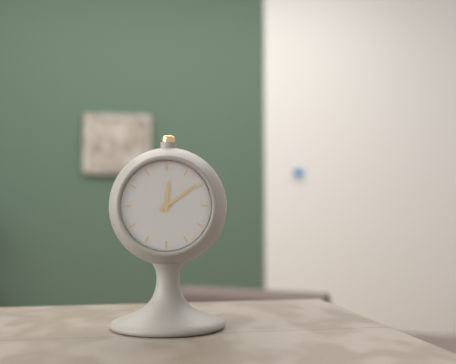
**12:09**
